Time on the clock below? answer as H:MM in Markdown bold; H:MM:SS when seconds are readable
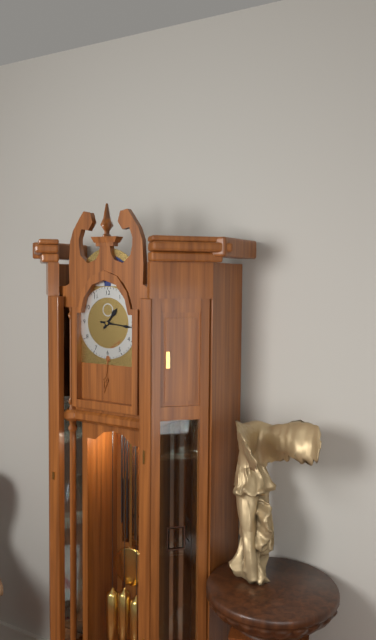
**1:16**
